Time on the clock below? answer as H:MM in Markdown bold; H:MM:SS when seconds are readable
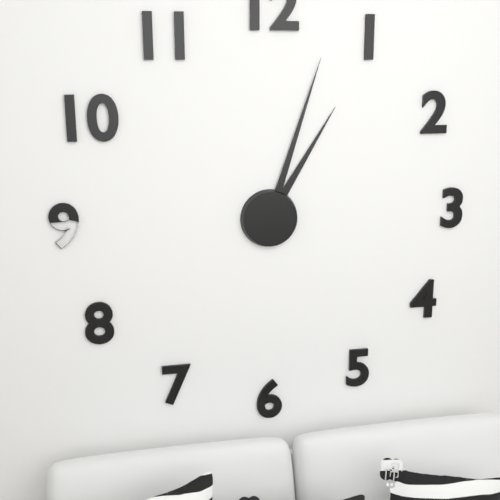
**1:03**
